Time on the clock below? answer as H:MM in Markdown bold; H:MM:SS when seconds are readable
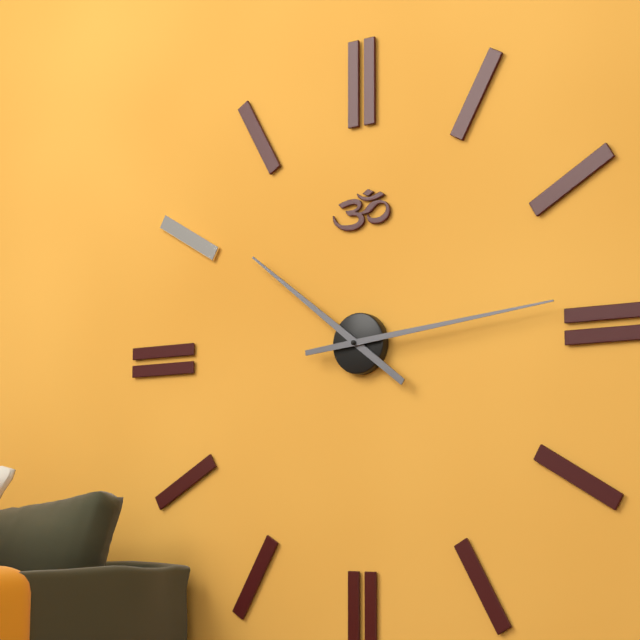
**10:14**
